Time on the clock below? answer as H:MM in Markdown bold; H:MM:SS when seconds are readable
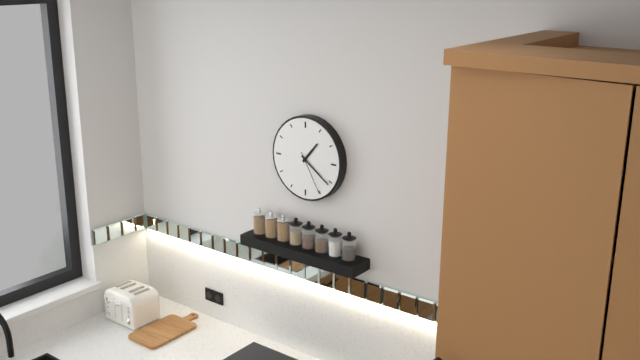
**1:21**
